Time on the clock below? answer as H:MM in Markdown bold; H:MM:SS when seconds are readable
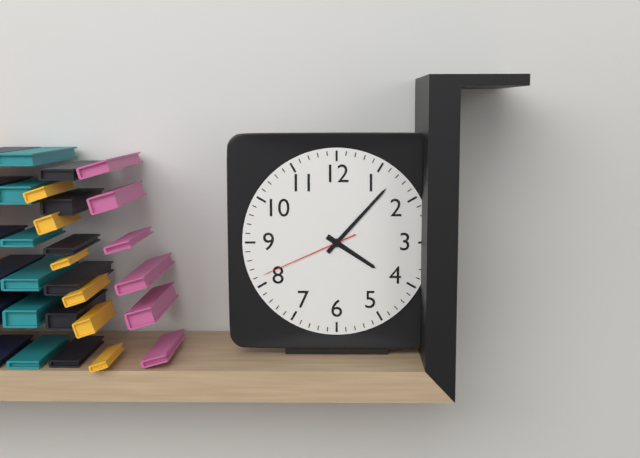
**4:07:41**
